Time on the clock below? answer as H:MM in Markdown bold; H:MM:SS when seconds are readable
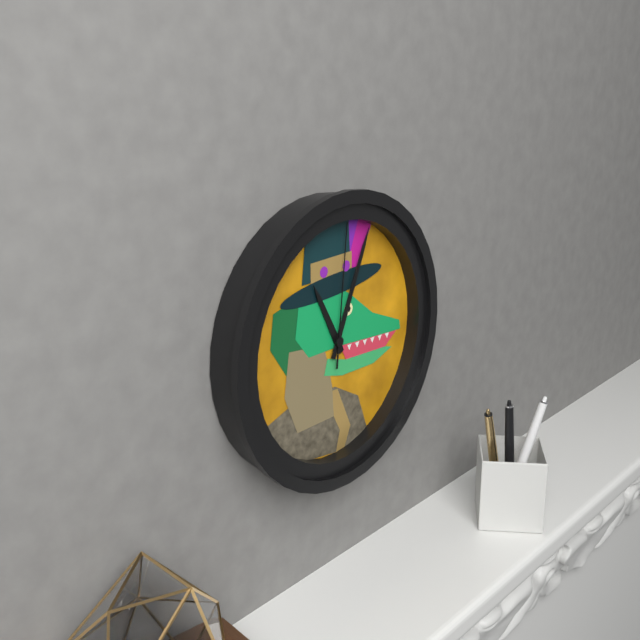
**11:04:01**
